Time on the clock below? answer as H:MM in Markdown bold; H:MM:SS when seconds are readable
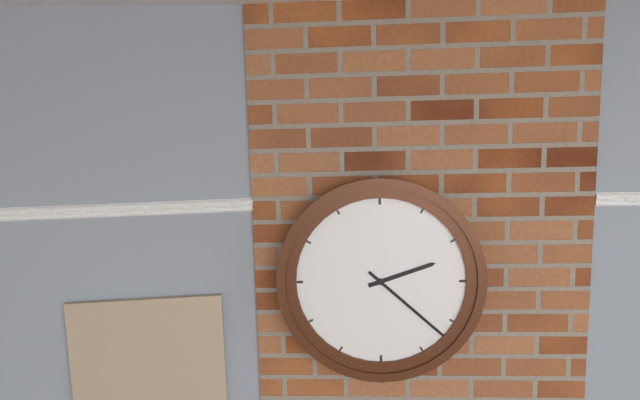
**2:22**
